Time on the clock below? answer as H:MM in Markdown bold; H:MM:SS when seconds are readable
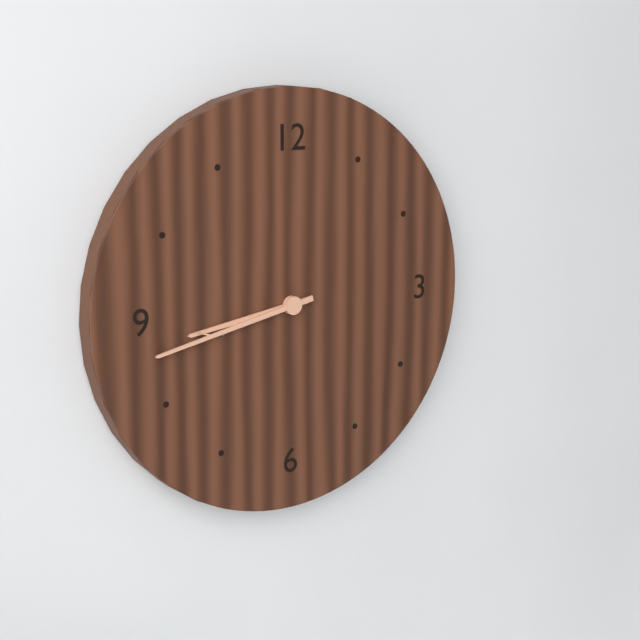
**8:43**
